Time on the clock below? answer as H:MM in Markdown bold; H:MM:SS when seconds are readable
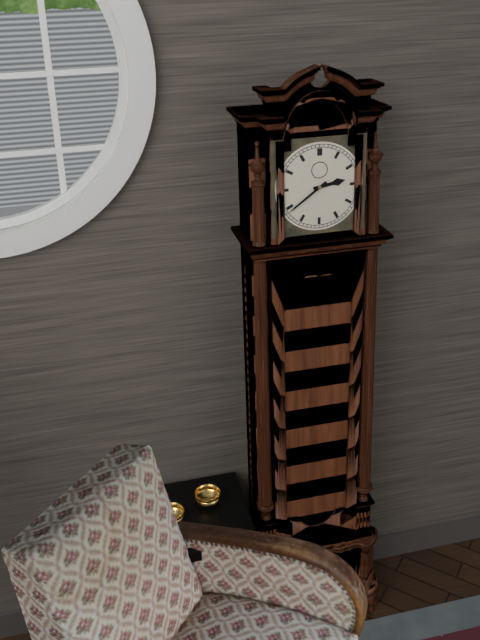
**2:39**
